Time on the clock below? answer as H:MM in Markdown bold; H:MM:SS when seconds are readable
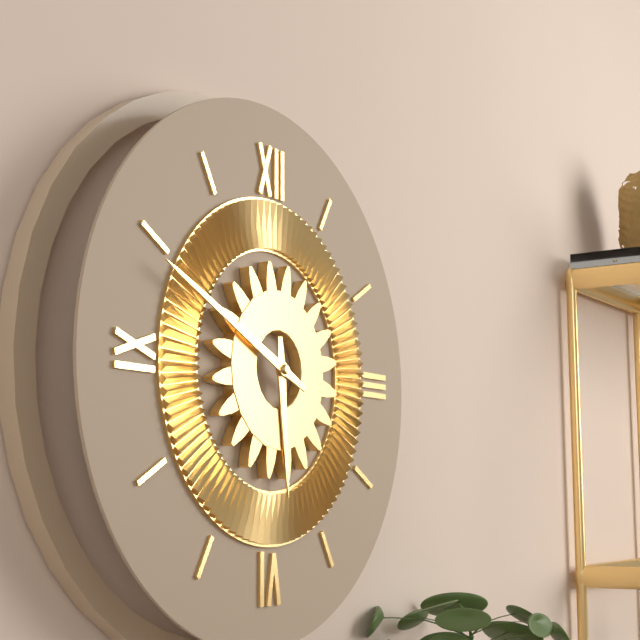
**5:49**
